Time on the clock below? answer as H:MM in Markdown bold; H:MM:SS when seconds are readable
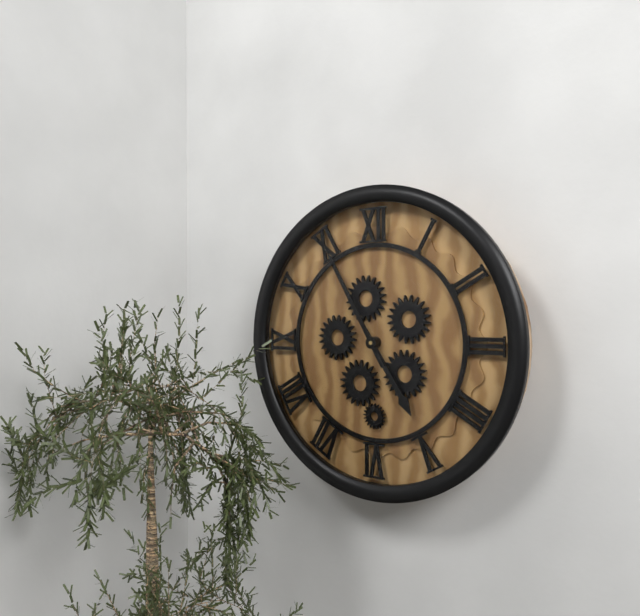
**4:55**
